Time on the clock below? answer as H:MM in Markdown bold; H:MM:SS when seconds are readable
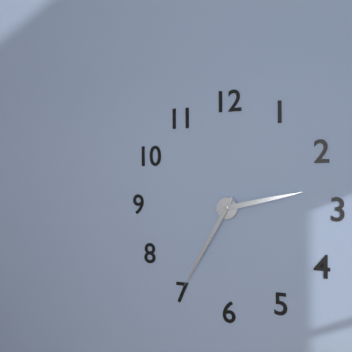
**2:35**
